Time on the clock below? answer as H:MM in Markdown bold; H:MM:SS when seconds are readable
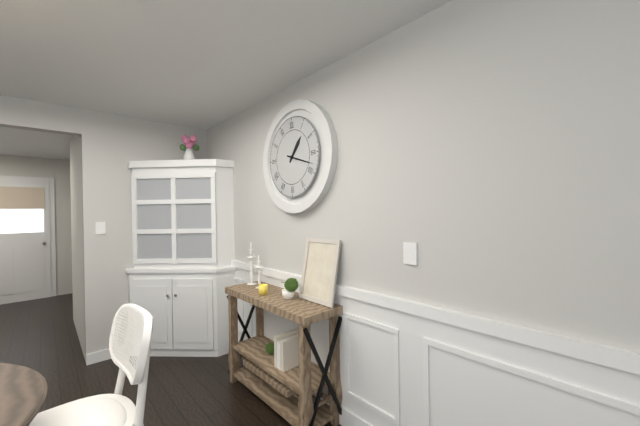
**1:18**
